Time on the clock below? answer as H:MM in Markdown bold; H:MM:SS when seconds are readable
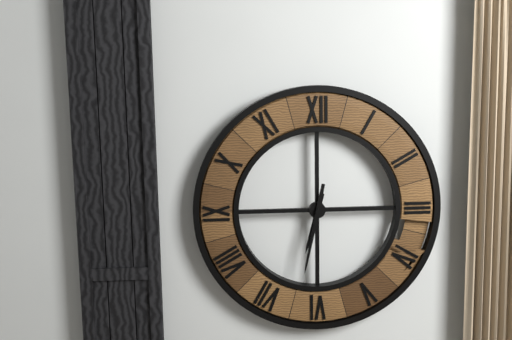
**6:32**
